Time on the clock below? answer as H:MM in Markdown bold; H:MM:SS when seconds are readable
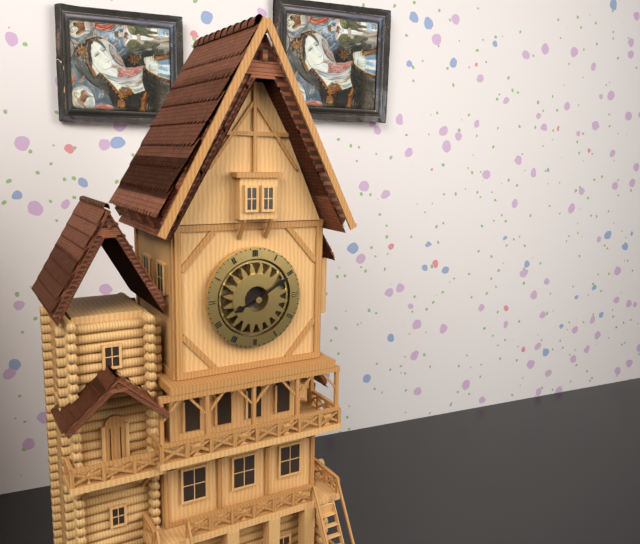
**8:10**
